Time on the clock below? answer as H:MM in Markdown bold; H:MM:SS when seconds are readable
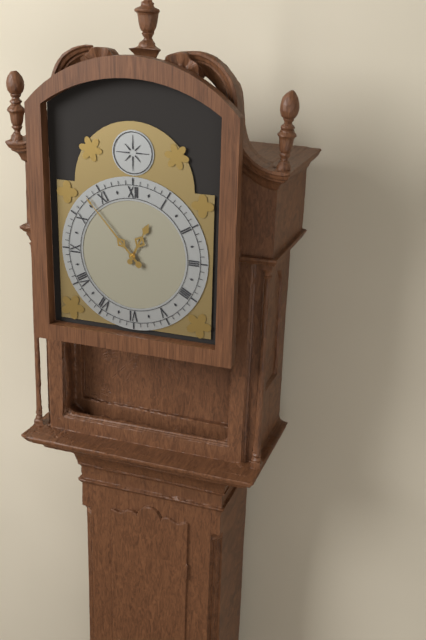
**12:53**
